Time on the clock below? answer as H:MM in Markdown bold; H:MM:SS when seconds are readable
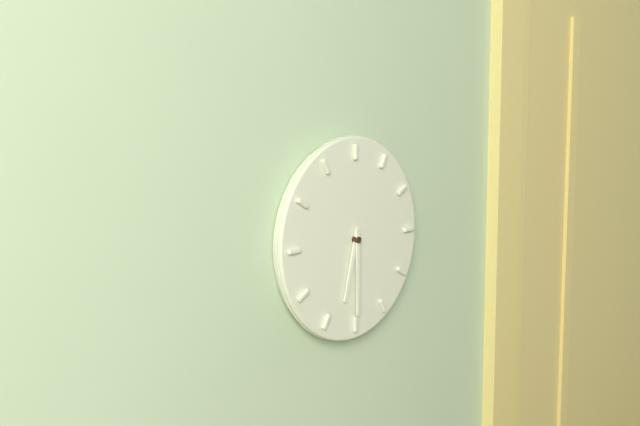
**6:30**
